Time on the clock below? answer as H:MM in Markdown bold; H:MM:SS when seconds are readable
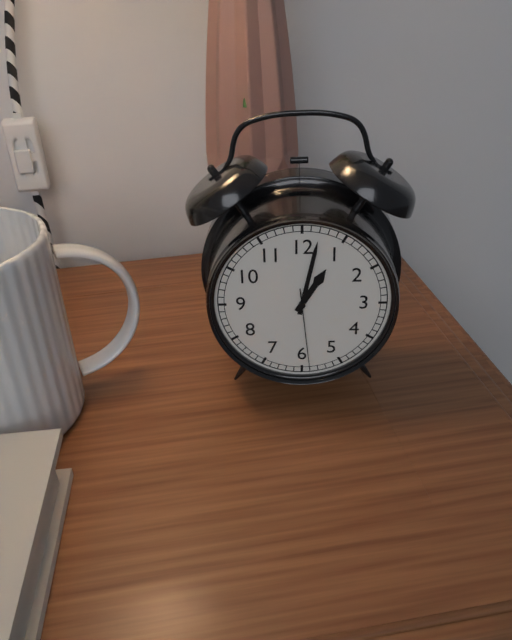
**1:02:29**
